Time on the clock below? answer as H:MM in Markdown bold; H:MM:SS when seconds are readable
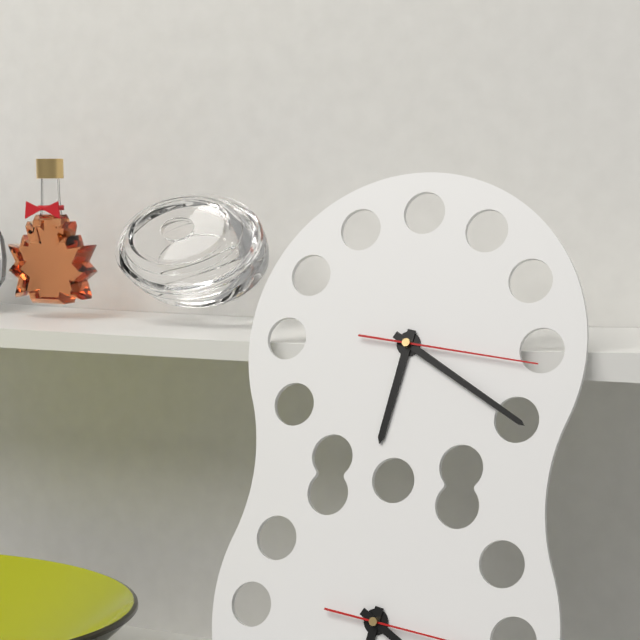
**6:20:16**
